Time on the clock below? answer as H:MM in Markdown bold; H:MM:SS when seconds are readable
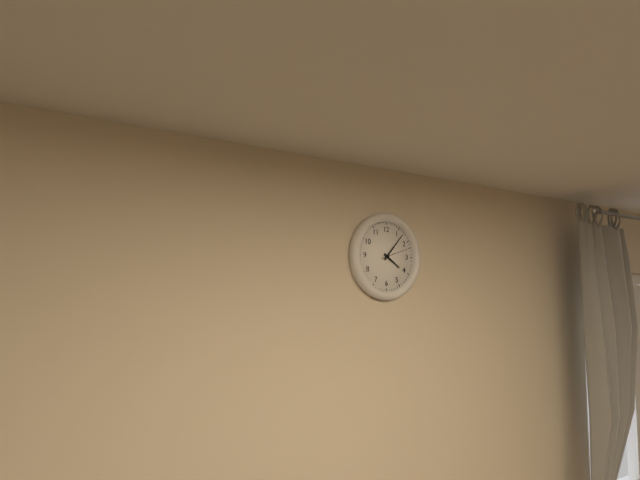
**4:07**
